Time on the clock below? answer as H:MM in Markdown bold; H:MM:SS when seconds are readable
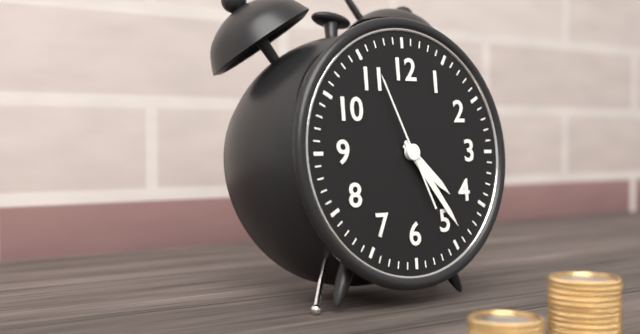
**4:24:56**
